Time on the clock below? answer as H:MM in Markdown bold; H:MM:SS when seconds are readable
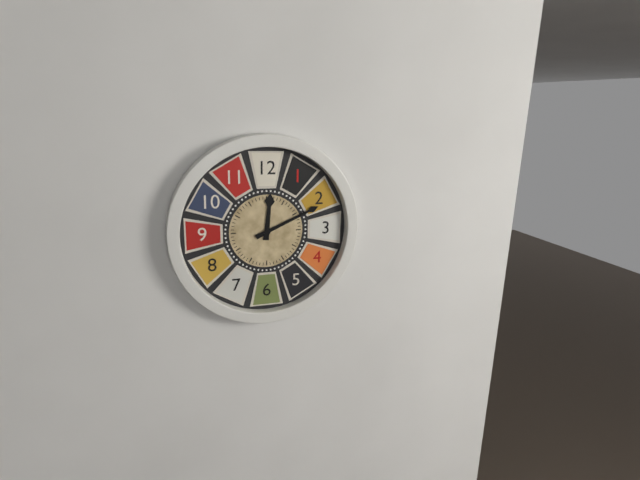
**12:11**
